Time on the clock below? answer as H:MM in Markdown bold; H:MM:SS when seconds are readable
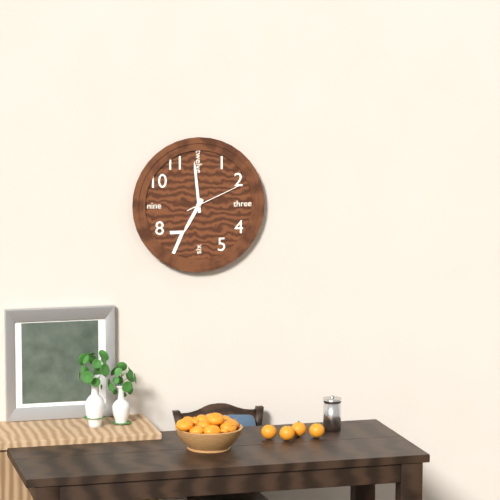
**6:59:11**
